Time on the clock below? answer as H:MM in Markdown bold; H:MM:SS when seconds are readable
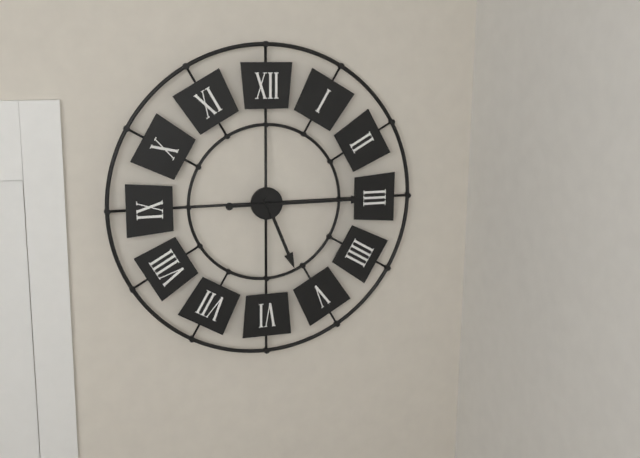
**5:15**
